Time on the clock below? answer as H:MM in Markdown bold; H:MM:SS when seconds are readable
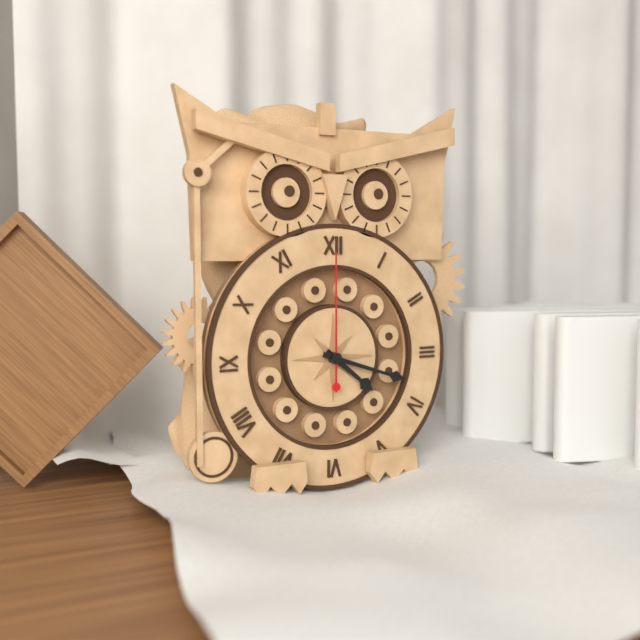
**4:18:00**
